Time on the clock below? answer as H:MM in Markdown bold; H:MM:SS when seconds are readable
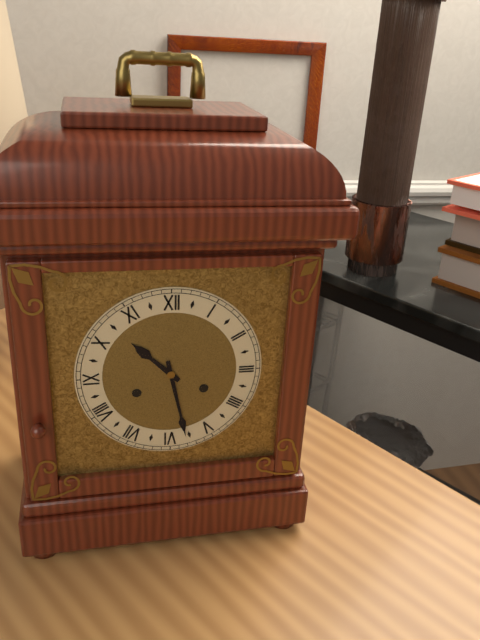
**10:28**
